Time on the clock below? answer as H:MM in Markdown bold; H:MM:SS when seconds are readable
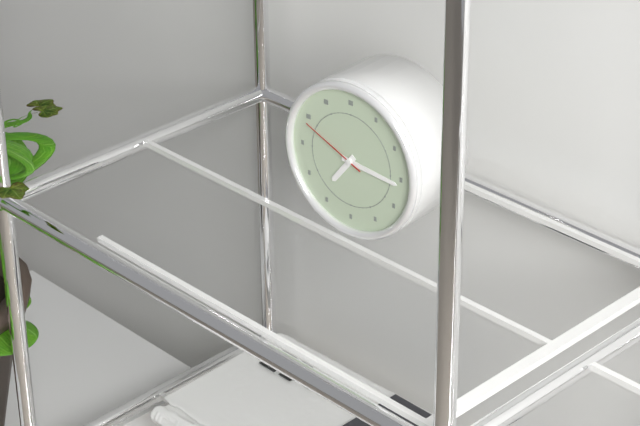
**7:16:49**
